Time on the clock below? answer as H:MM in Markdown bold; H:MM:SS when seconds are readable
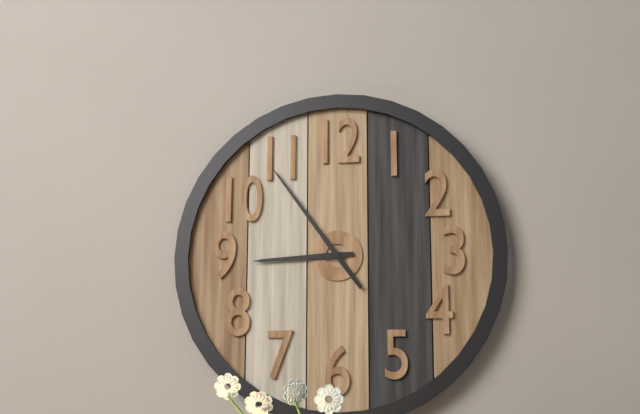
**8:54**
